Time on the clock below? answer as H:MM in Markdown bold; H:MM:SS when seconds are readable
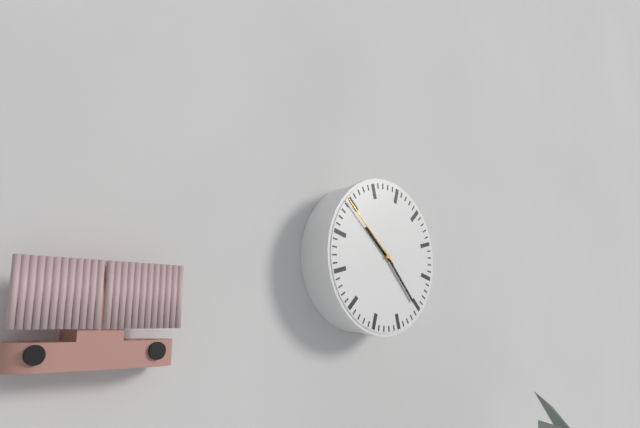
**10:23:52**
